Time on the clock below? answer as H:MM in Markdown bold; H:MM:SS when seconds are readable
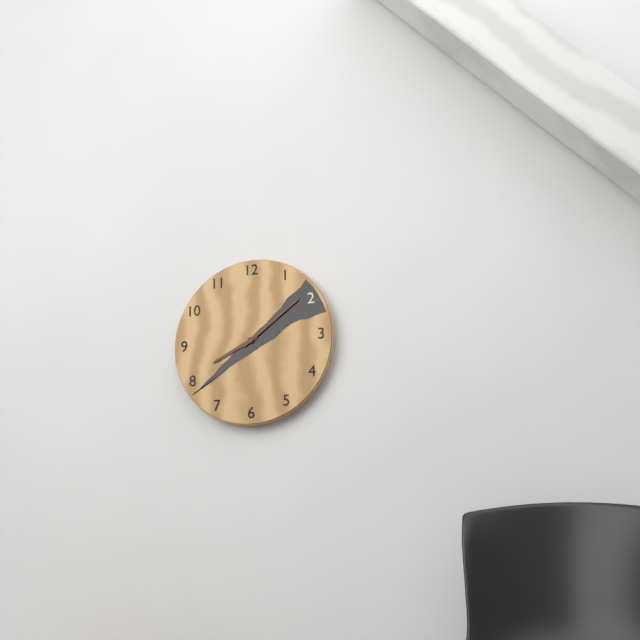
**8:09**
